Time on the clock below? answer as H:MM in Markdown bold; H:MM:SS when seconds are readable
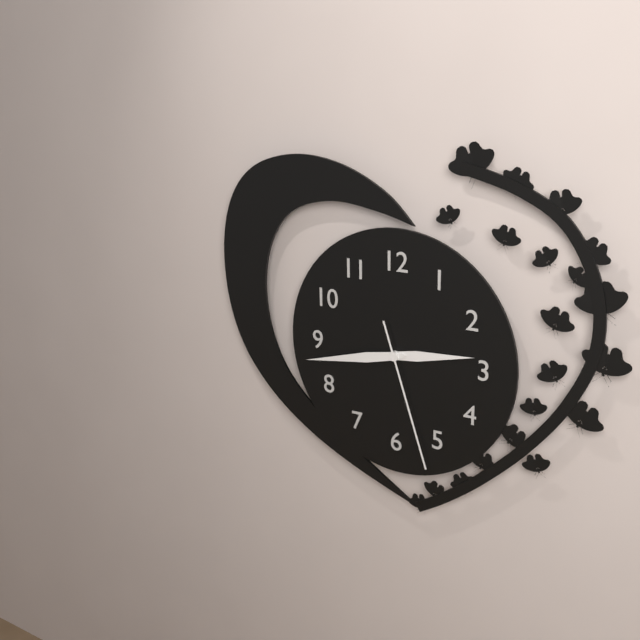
**2:43:27**
